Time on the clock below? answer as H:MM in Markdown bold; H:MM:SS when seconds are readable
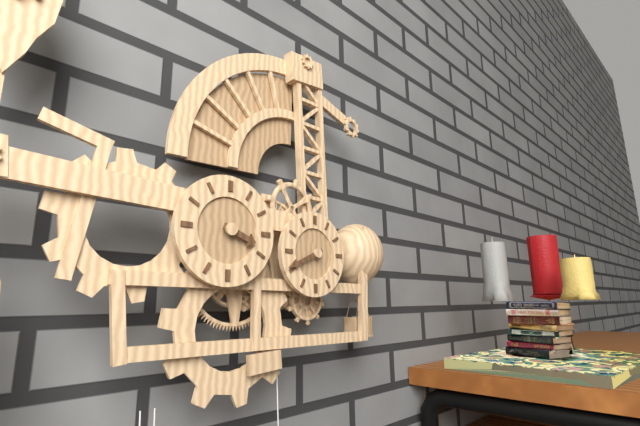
**3:41**
